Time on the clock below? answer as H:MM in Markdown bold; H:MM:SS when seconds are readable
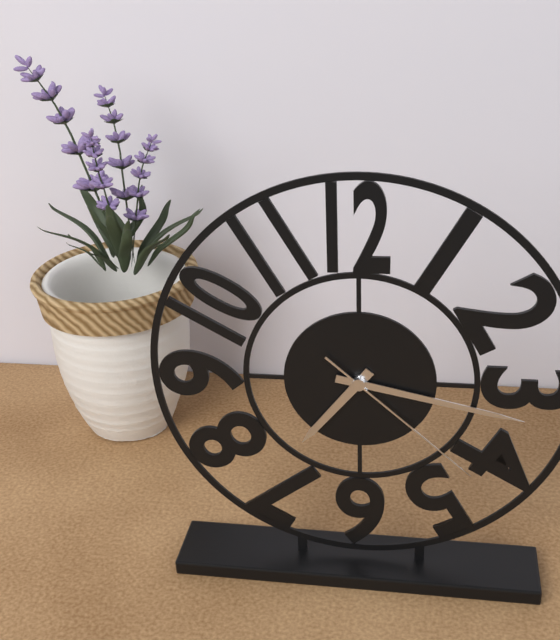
**7:17:22**
